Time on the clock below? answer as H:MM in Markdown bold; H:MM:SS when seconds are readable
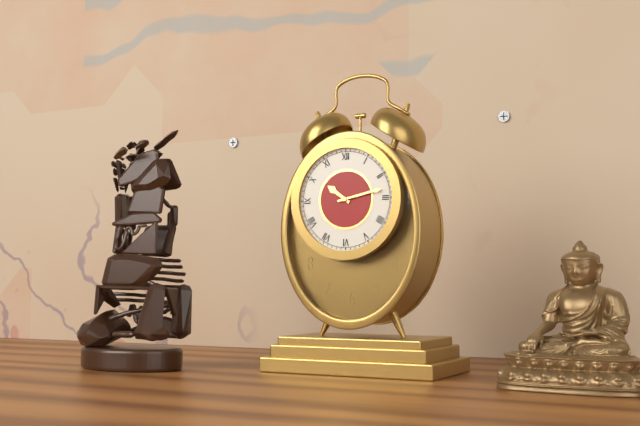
**10:13**
